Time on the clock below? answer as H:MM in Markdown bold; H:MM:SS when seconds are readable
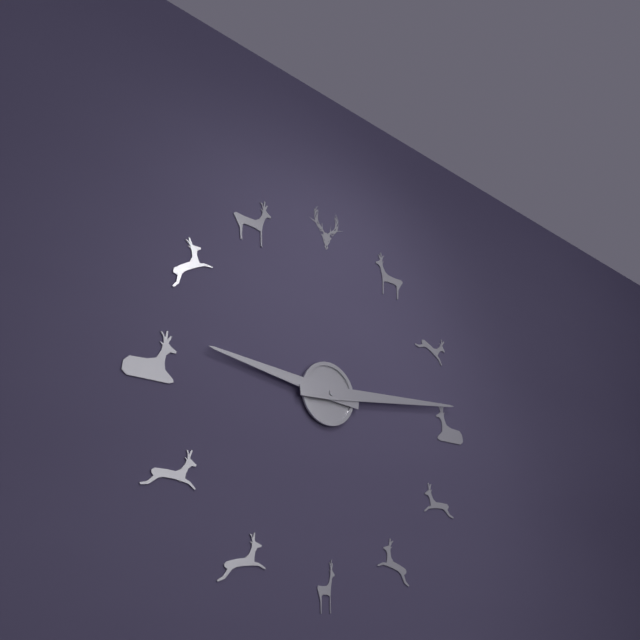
**9:14**
